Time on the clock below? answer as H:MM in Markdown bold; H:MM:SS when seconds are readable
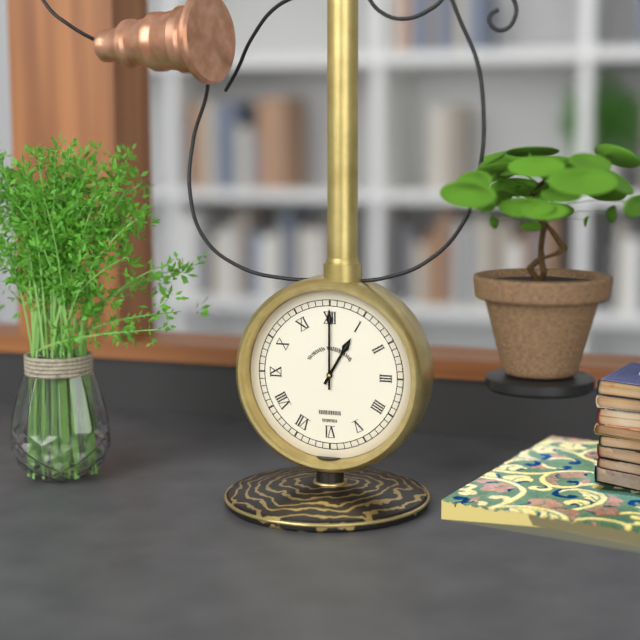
**1:00**
